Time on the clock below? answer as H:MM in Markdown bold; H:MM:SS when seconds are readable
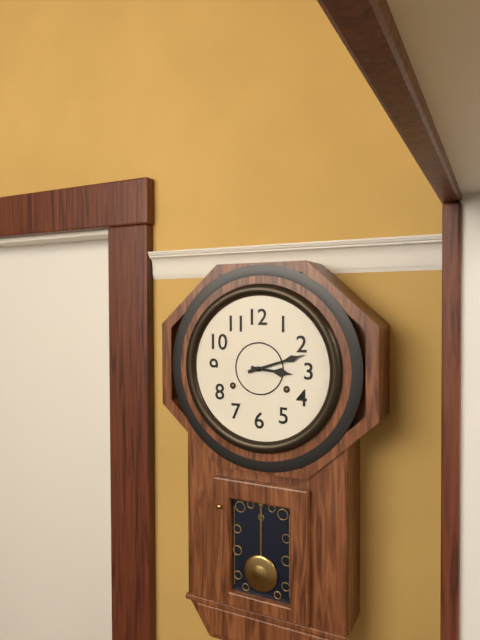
**3:12**
